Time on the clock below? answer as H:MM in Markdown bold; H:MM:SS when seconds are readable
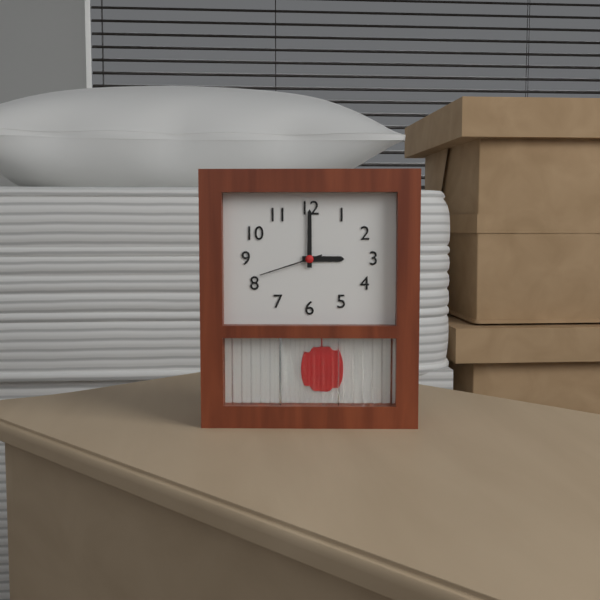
**3:00:42**
